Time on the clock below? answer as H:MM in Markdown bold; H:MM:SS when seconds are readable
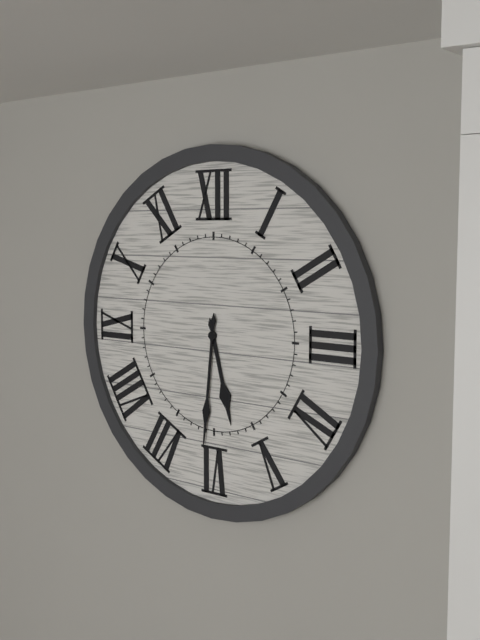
**5:31**
